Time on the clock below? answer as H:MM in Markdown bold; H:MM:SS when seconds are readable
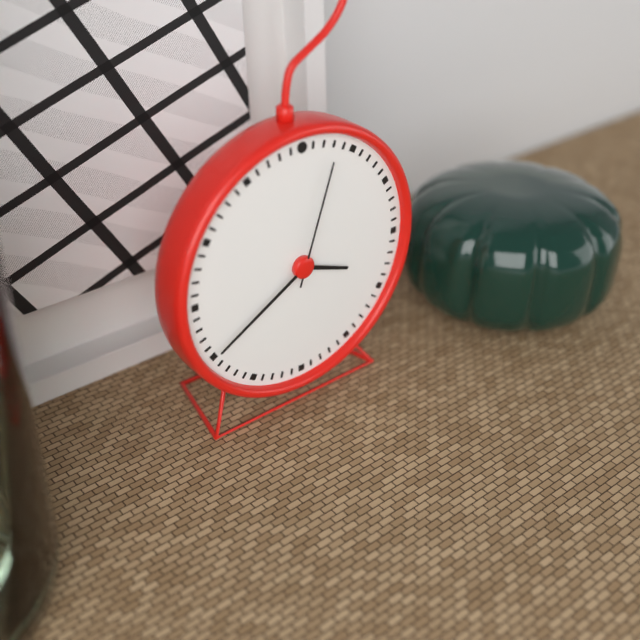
**3:40:03**
